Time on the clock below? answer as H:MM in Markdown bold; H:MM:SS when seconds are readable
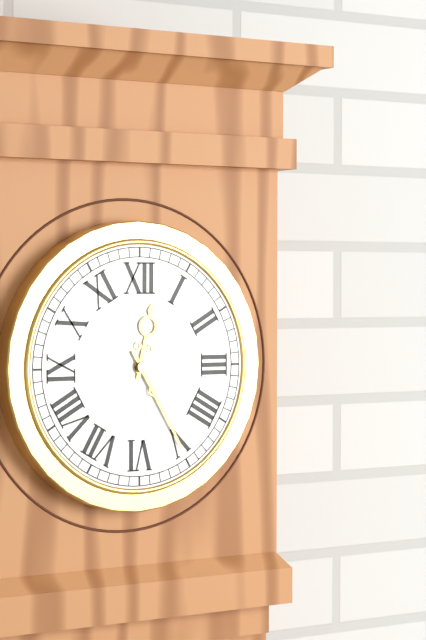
**12:25**
